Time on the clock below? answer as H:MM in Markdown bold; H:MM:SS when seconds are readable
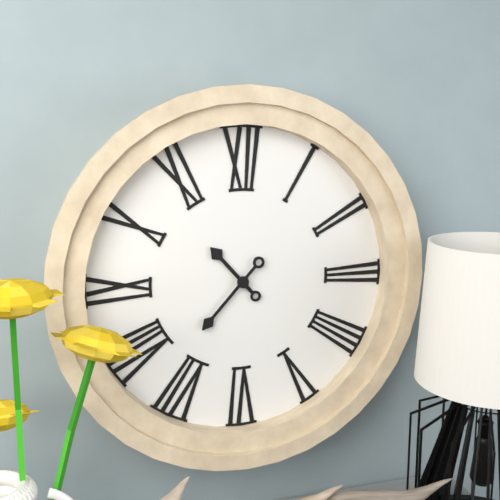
**10:37**
